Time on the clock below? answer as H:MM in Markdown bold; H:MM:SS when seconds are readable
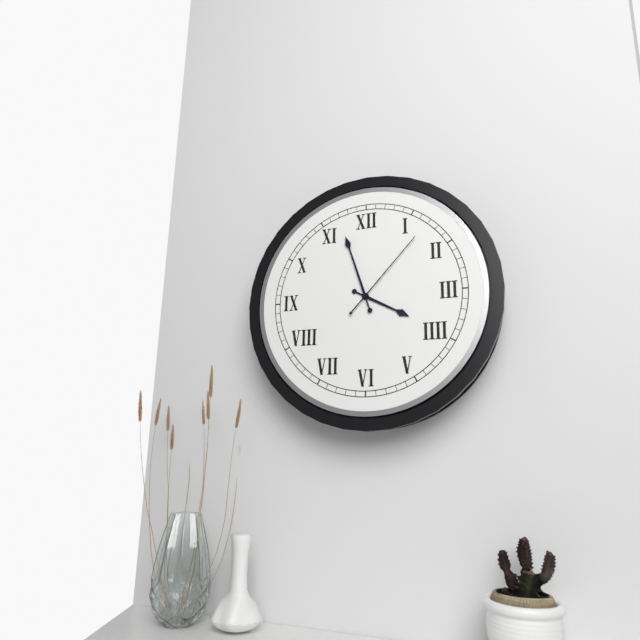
**3:57:07**
